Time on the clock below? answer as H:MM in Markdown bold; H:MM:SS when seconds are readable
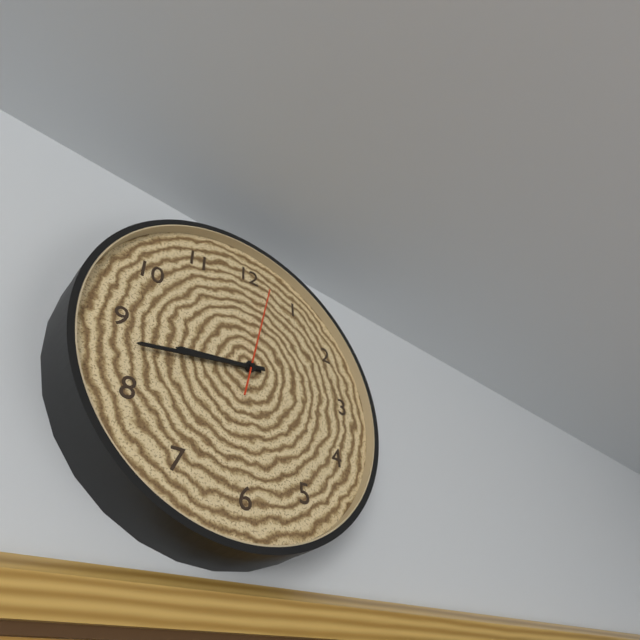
**8:43:02**
